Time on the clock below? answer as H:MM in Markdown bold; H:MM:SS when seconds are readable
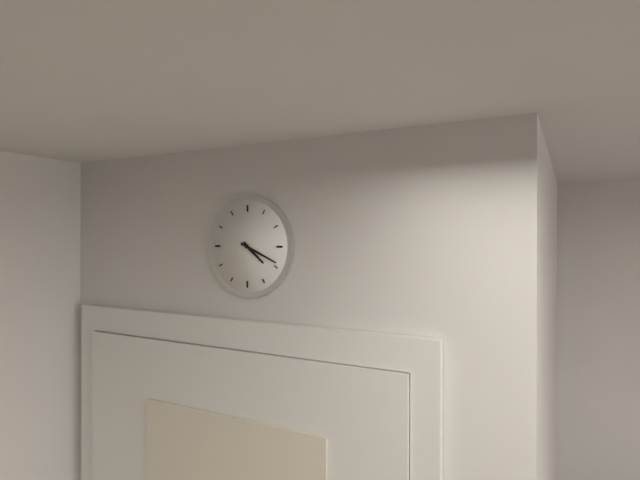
**4:19**
